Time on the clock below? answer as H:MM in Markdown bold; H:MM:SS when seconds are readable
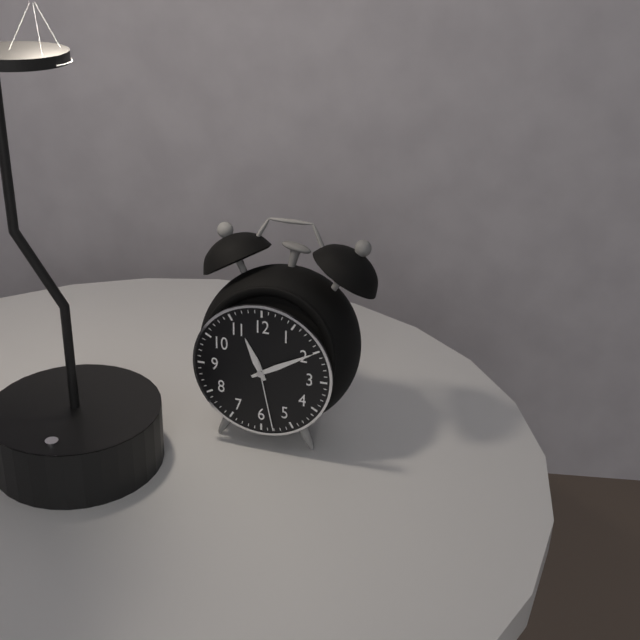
**11:10:28**
